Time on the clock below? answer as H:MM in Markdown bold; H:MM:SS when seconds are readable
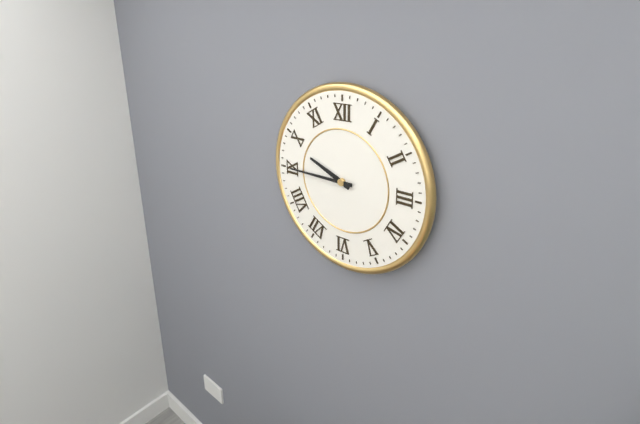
**9:45**
